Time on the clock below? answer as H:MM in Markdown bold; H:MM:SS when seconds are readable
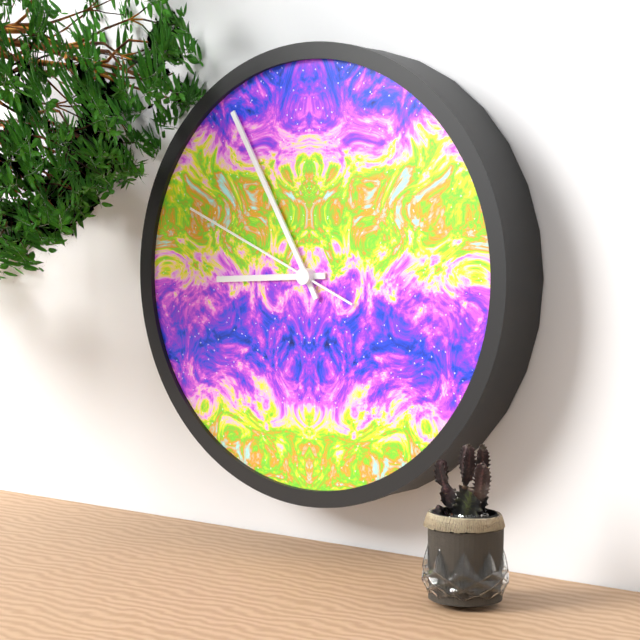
**8:55:49**
